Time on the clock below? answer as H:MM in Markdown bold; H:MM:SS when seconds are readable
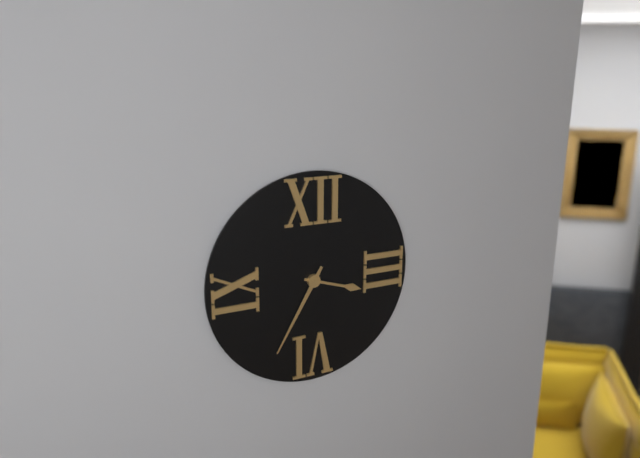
**3:35**
